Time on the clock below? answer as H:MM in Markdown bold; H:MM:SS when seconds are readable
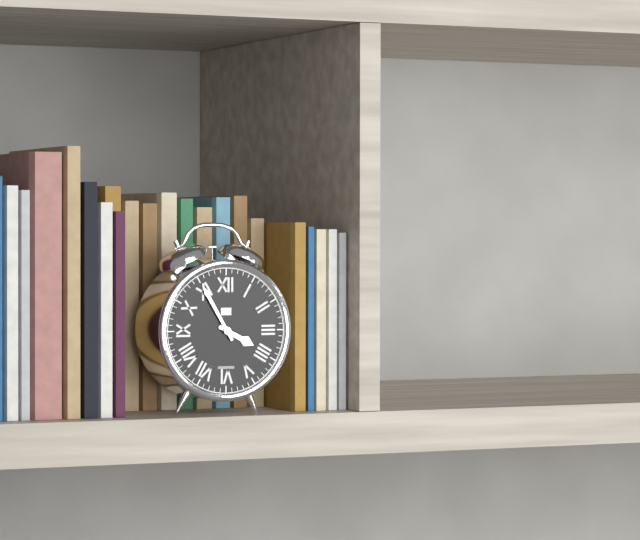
**3:55**
